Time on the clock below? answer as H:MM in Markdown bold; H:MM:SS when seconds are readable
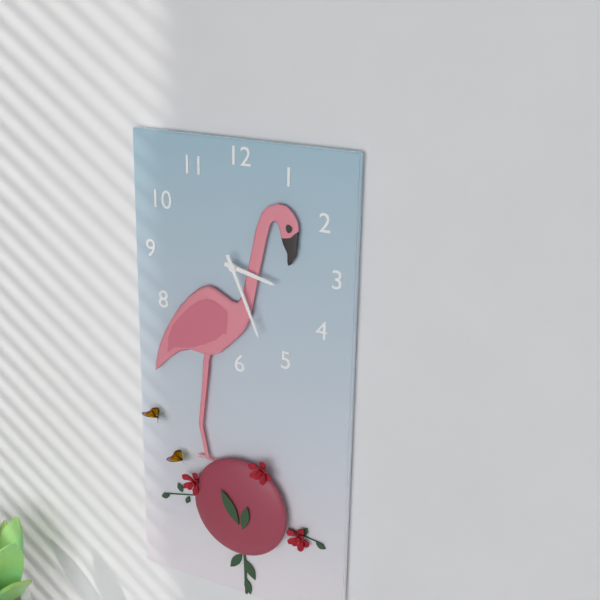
**3:26**
